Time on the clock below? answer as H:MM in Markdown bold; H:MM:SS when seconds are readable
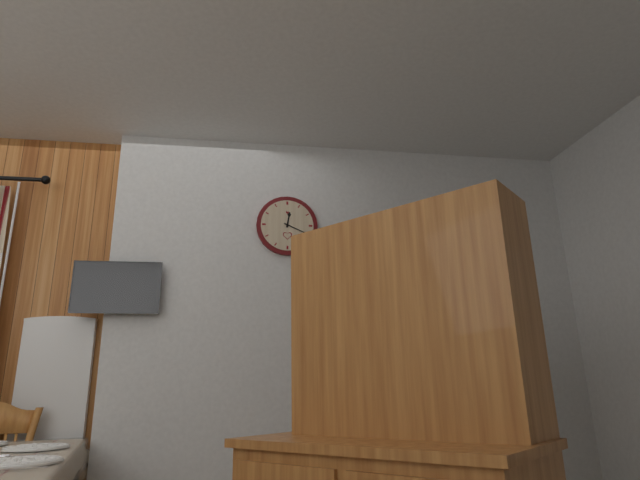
**12:19**
